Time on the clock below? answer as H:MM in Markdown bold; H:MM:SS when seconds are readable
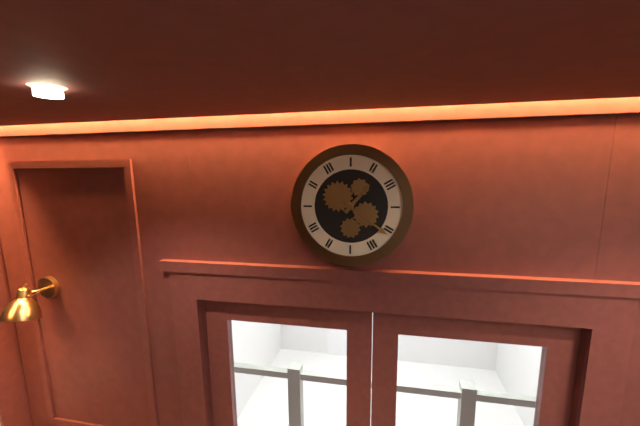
**1:21**
